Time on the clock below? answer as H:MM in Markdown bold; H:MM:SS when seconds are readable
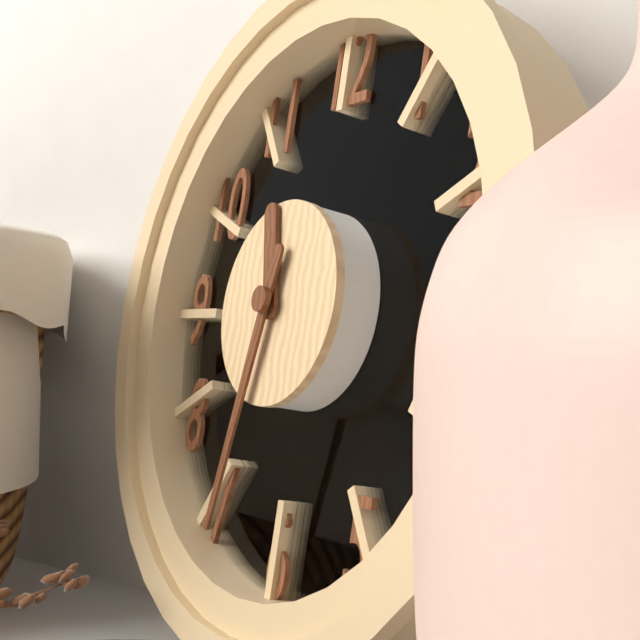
**11:32**
